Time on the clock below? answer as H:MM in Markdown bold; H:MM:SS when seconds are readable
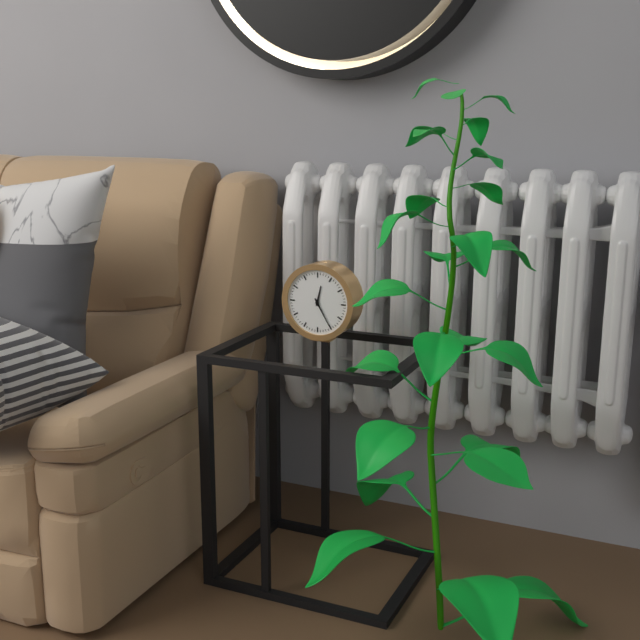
**12:25**
